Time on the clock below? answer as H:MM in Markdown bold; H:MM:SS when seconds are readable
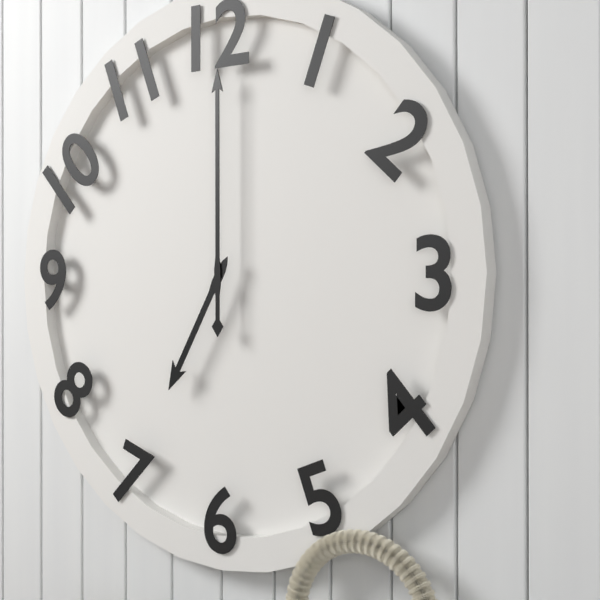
**7:00**
